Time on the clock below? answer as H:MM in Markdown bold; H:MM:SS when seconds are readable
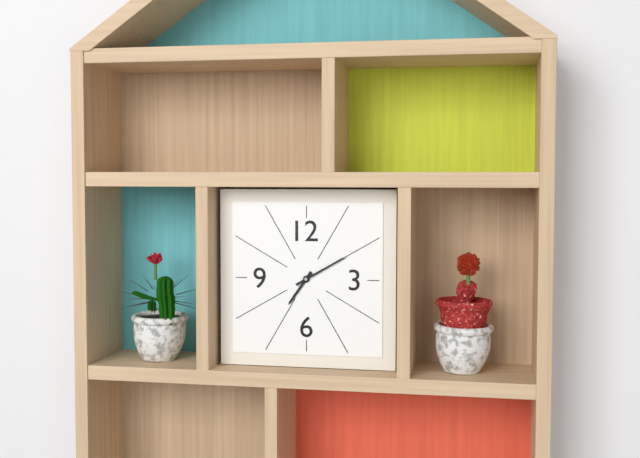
**7:10**
